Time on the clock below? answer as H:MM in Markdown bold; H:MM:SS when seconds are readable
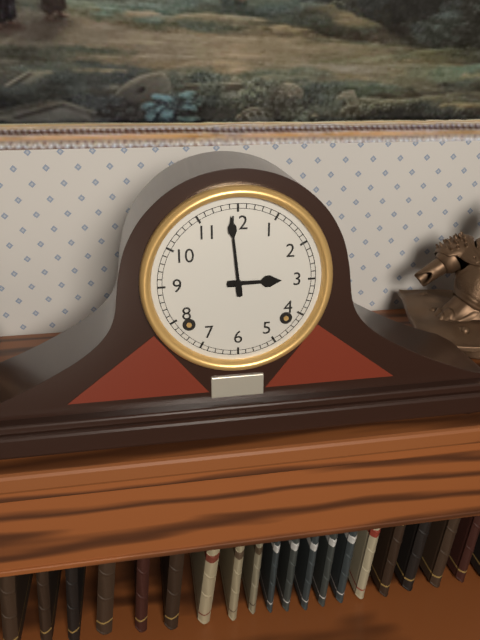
**2:59**
